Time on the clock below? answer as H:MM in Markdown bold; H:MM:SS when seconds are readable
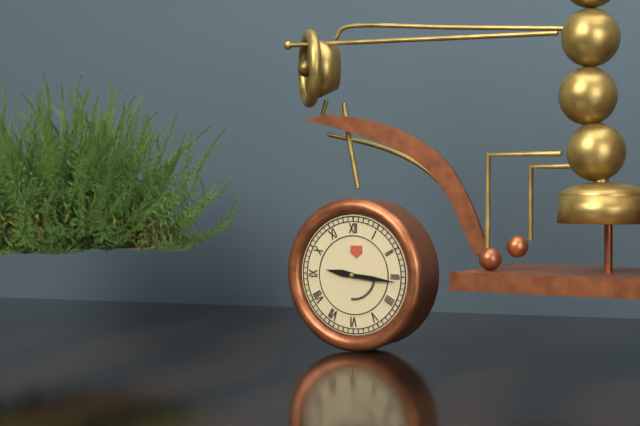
**9:16**
